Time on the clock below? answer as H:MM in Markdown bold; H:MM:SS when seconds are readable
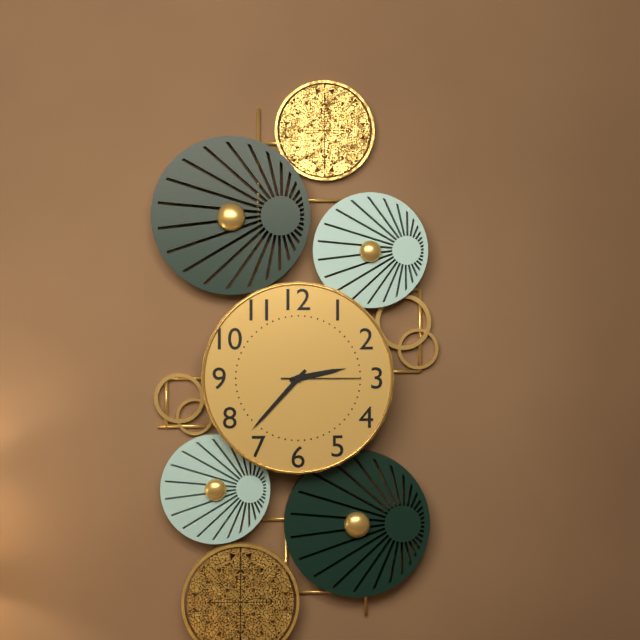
**2:37:15**
